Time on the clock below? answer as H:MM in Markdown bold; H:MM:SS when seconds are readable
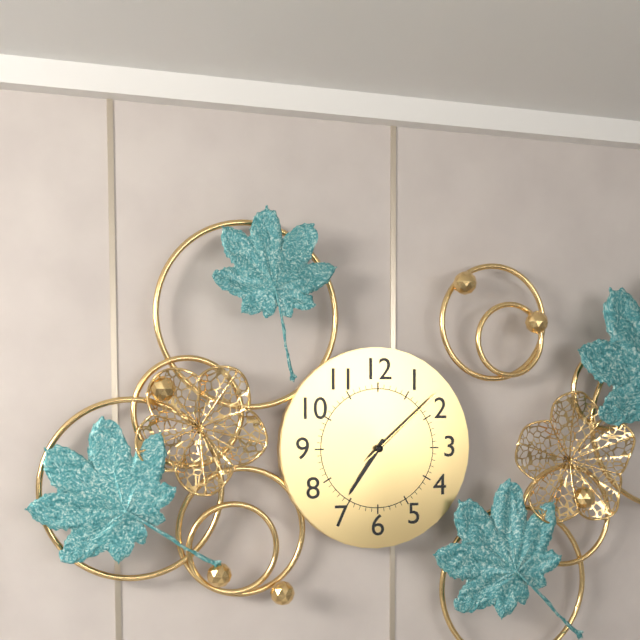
**7:08:08**
